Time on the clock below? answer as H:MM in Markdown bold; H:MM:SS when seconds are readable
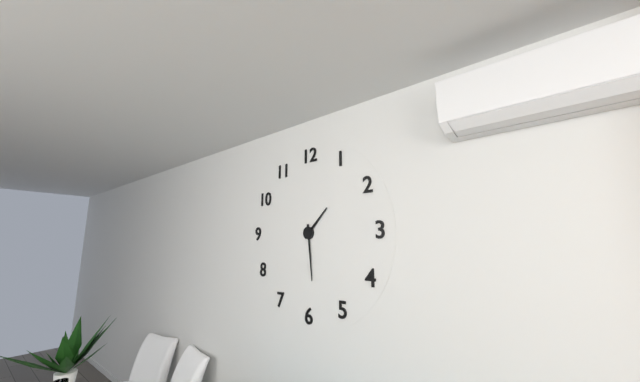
**1:29**
